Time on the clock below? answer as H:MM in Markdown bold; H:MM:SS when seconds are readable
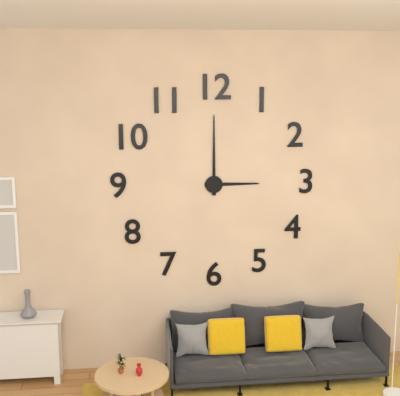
**3:00**
